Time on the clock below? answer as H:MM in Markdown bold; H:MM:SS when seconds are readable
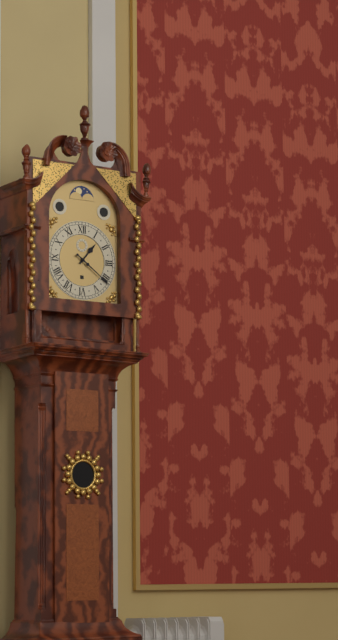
**1:21**
